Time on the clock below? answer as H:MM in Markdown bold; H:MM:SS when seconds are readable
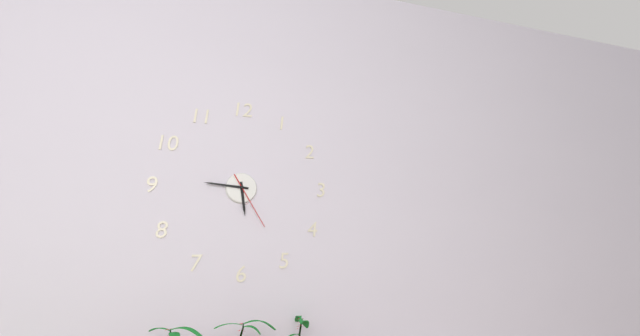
**5:46:25**
